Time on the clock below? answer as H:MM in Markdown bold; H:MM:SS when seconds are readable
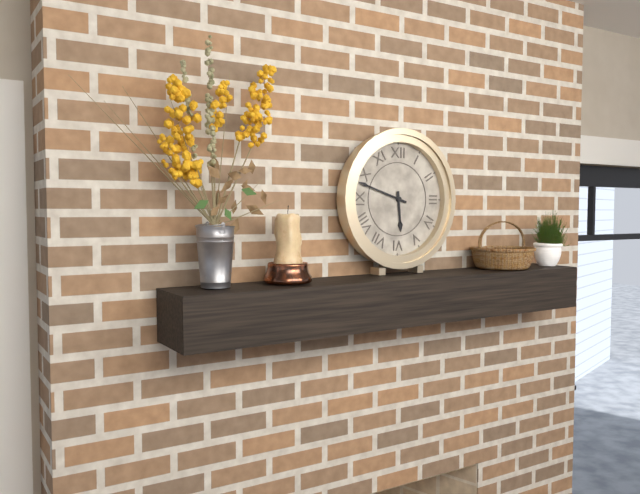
**5:48**
